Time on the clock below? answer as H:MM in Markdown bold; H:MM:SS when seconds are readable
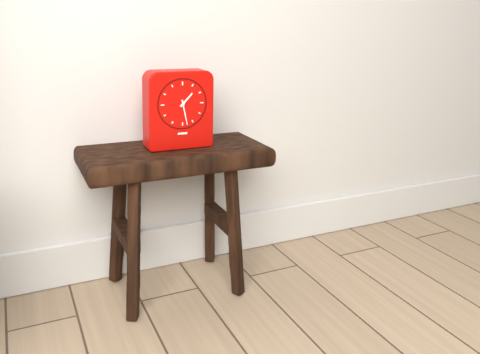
**1:28**
